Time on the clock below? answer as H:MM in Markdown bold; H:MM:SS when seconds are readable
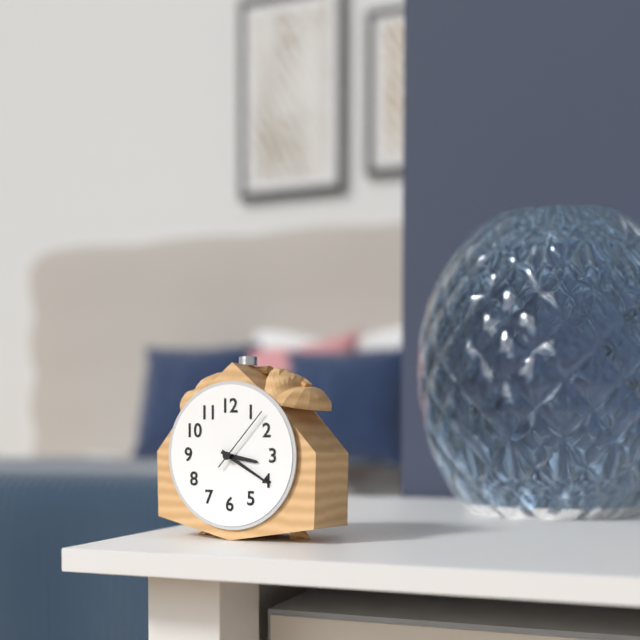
**3:20:07**
